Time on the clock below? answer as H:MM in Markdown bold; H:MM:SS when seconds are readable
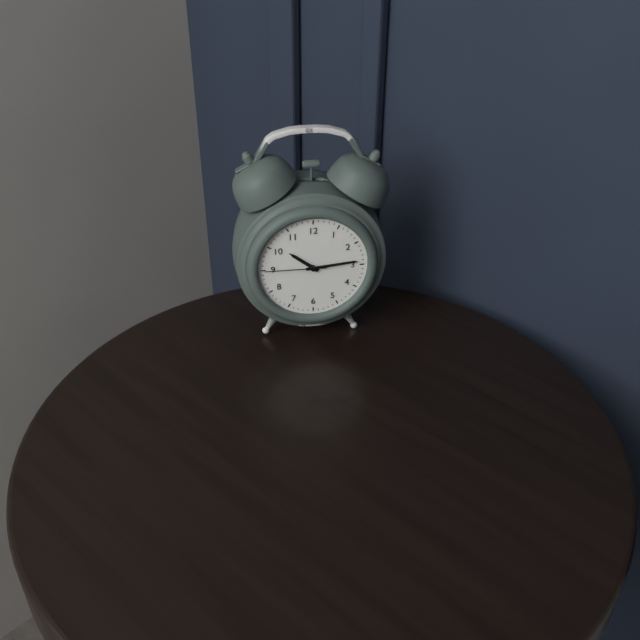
**10:14:45**
